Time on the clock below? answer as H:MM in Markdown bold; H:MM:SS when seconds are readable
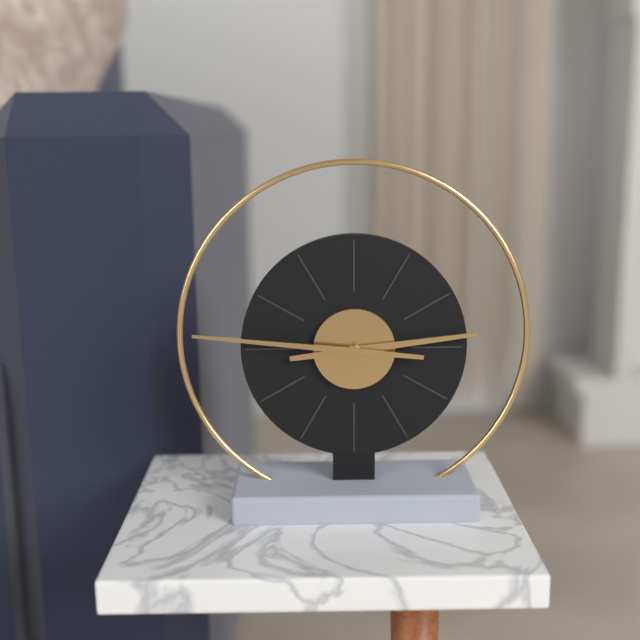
**2:46**
